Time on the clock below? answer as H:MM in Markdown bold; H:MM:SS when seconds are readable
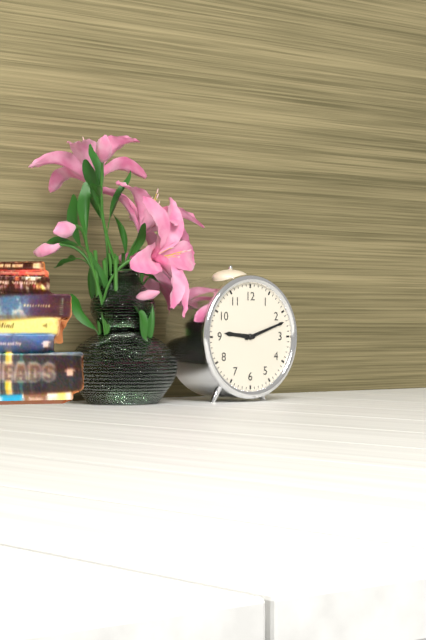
**9:12**
